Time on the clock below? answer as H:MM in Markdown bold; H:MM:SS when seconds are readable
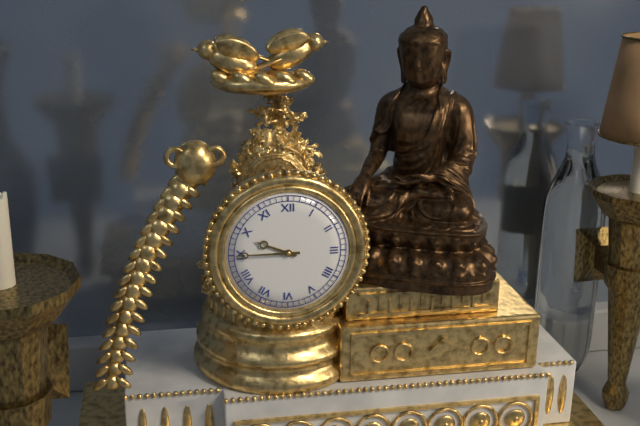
**9:45**
